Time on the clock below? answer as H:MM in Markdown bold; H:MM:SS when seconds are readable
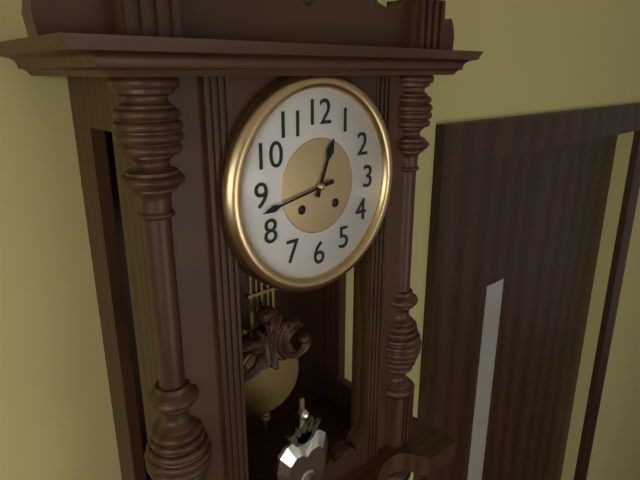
**12:43**
